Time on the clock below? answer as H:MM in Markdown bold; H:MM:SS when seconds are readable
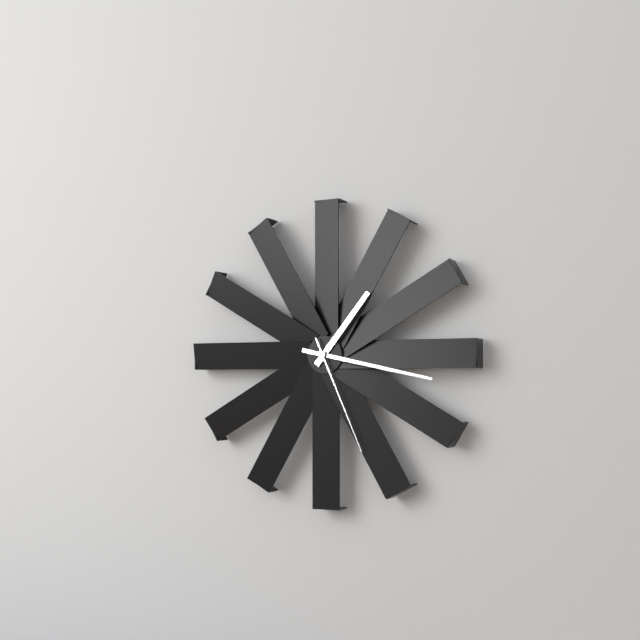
**1:17:26**
